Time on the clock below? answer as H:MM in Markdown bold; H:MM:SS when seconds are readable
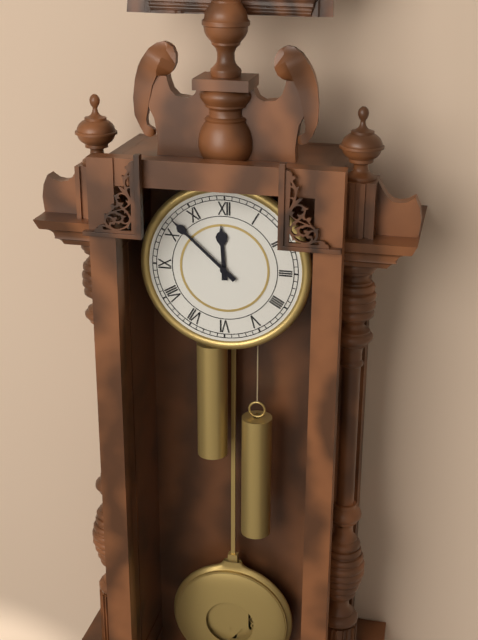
**11:52**
